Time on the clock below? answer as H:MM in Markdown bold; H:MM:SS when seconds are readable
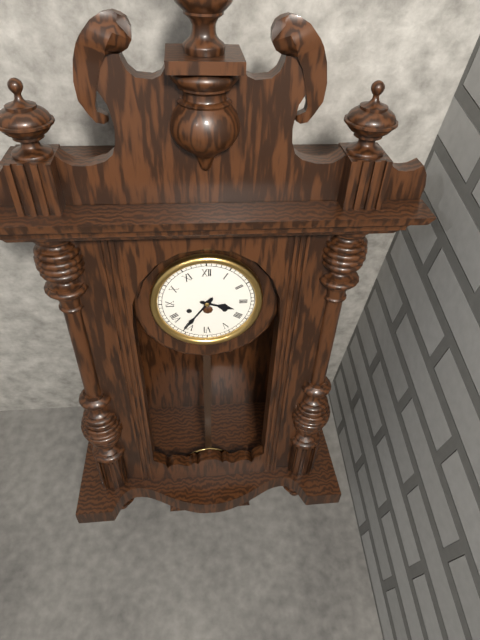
**3:36**
